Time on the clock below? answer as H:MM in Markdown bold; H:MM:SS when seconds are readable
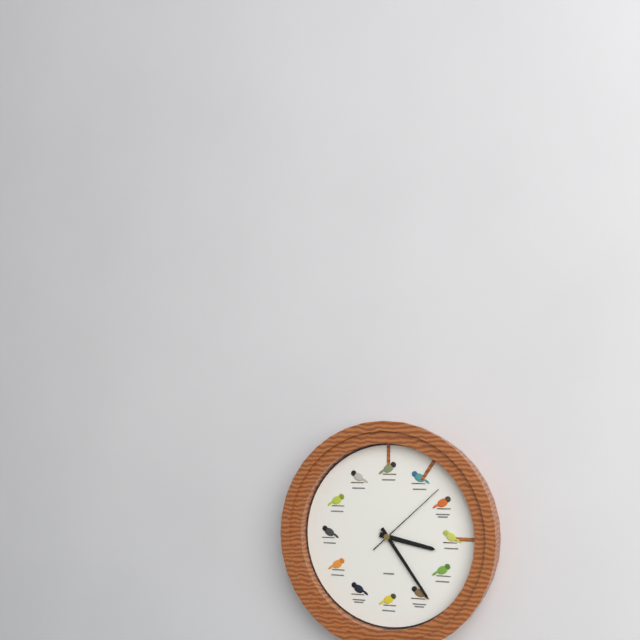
**3:24:08**
